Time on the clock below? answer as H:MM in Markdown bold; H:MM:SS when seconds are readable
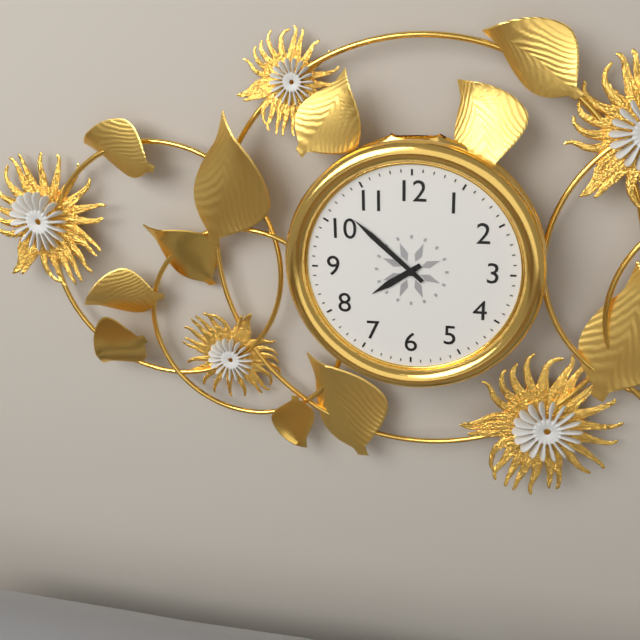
**7:52**
